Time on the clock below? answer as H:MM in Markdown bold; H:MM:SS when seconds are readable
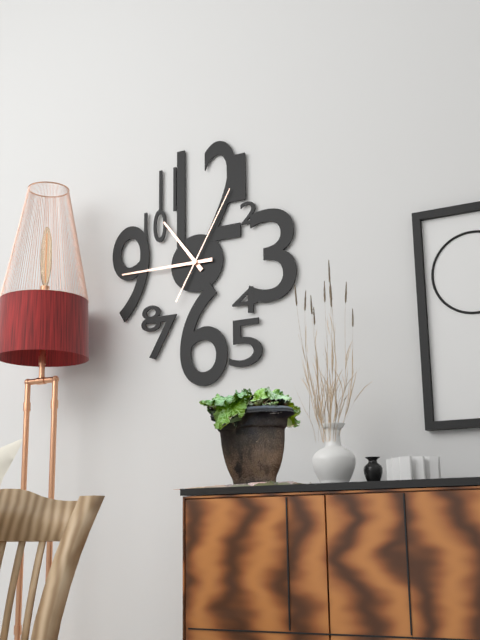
**10:45:05**
